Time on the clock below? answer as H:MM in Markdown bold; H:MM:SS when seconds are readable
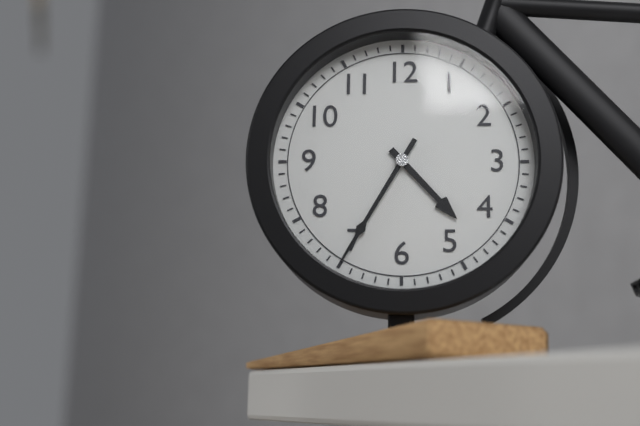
**4:35**
